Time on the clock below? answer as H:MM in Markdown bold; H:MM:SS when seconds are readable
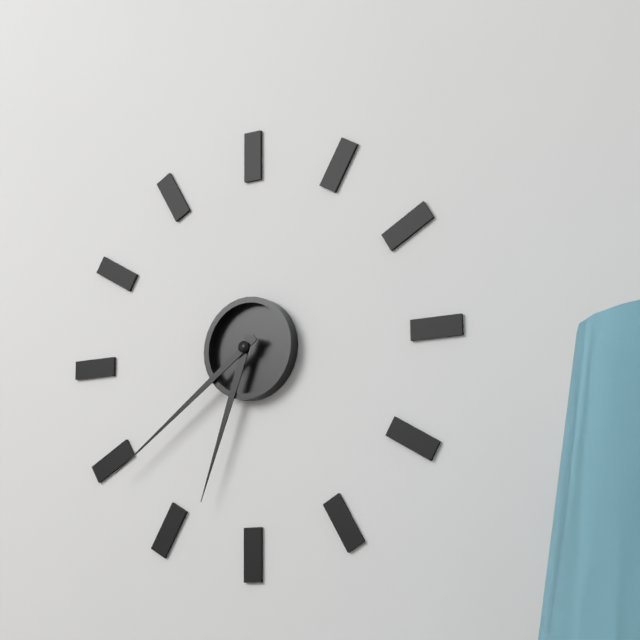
**6:39**
